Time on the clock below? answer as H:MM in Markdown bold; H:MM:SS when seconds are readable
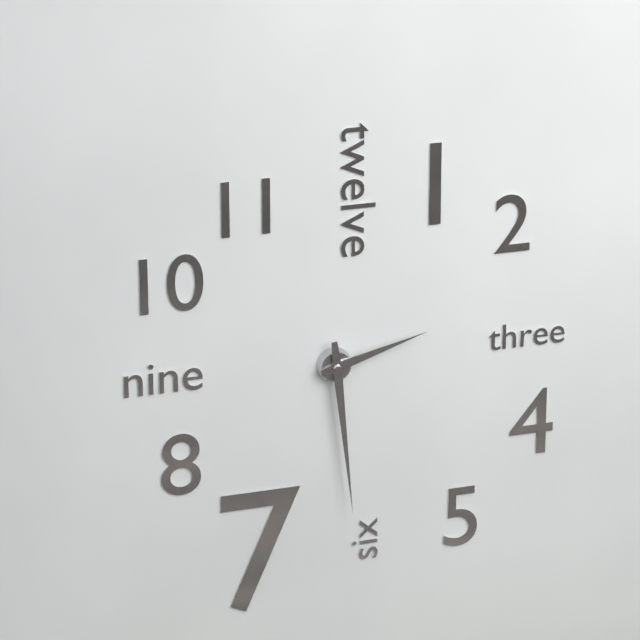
**2:29**
